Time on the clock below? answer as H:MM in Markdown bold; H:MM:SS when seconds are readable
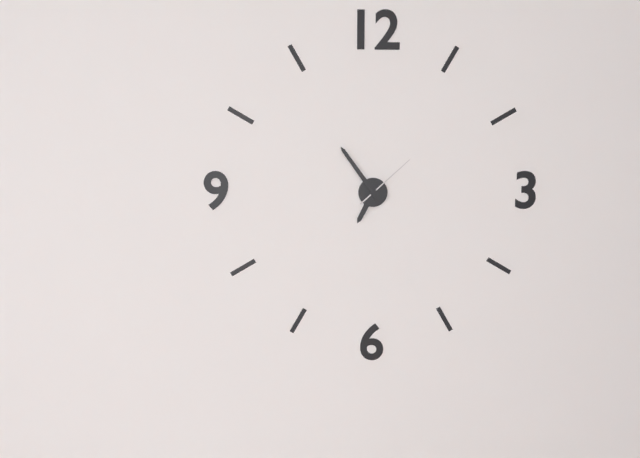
**6:54:08**
